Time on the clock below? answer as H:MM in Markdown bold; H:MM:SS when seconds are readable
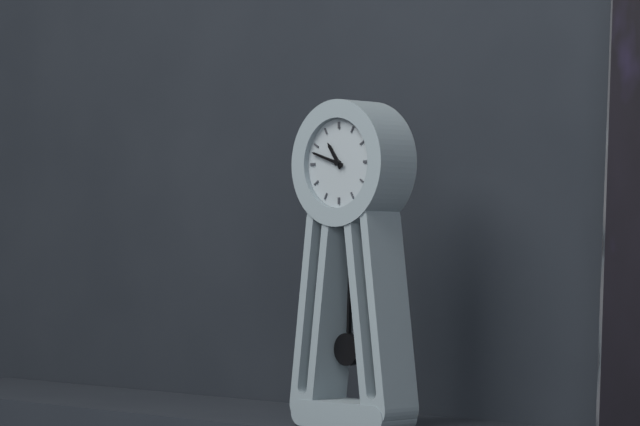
**10:48**
